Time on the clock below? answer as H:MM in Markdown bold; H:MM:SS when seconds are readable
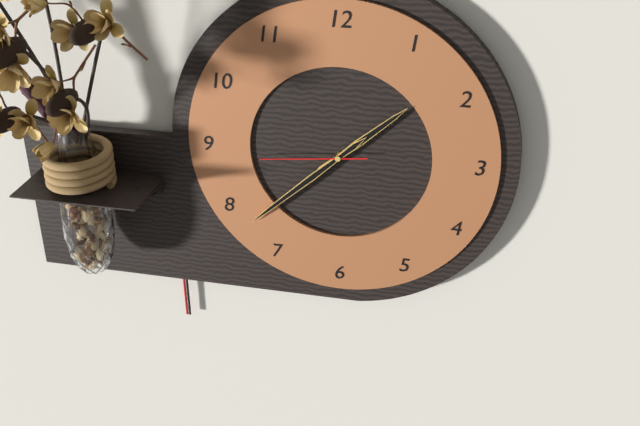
**1:38:44**
